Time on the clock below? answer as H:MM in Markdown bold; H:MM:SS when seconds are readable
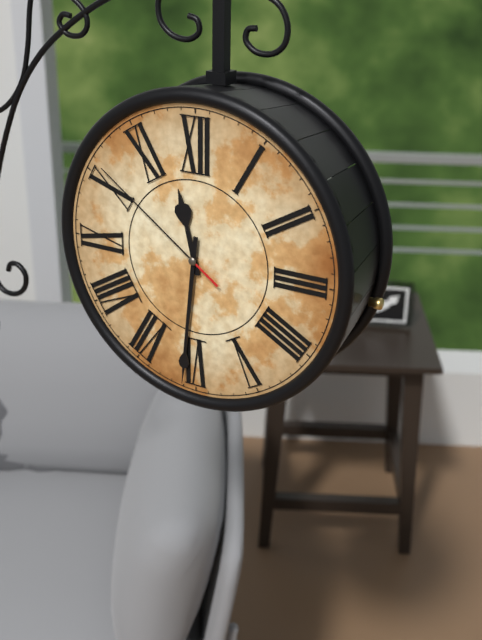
**11:31:51**
